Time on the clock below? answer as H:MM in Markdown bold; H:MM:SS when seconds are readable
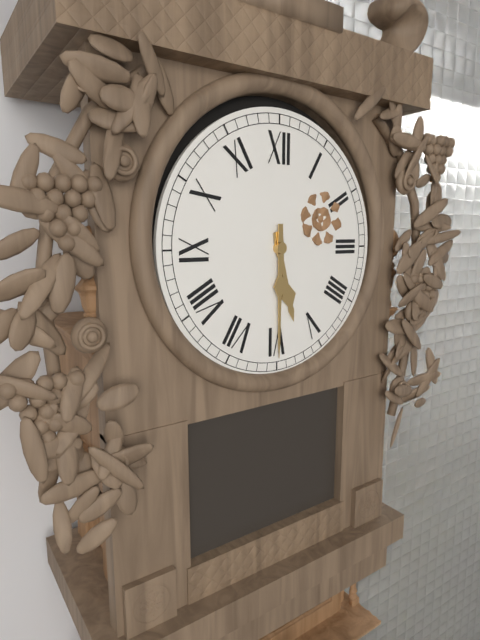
**5:30**
